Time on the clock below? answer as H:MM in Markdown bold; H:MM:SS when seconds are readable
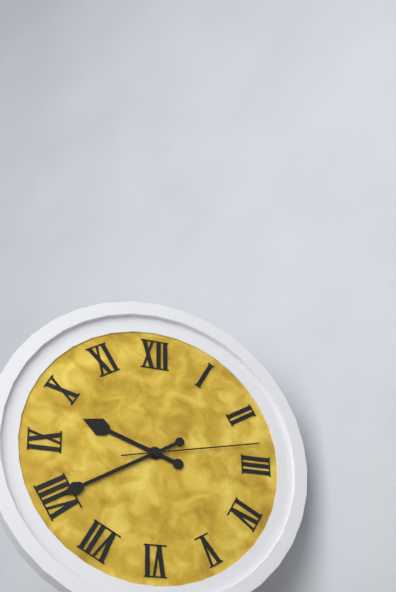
**9:40:13**
